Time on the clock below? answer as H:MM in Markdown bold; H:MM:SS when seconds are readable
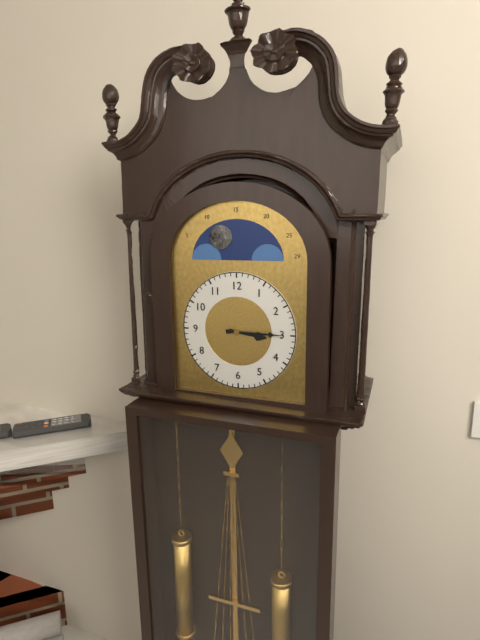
**3:15**
